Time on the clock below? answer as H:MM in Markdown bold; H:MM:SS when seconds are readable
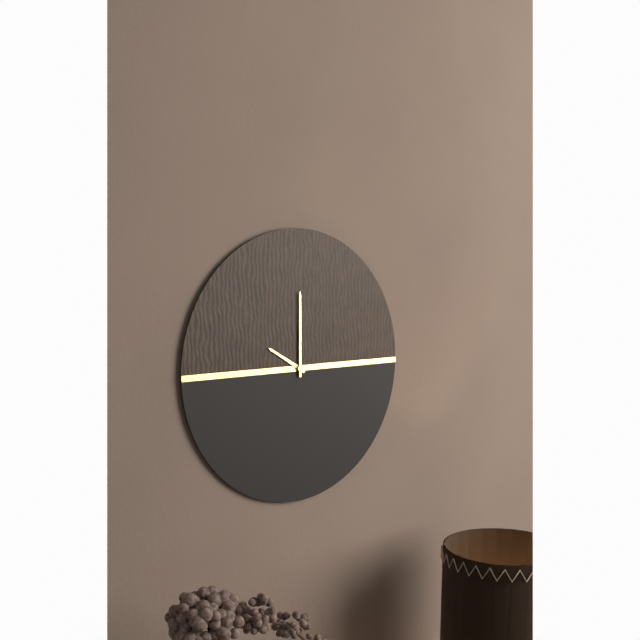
**10:00**
